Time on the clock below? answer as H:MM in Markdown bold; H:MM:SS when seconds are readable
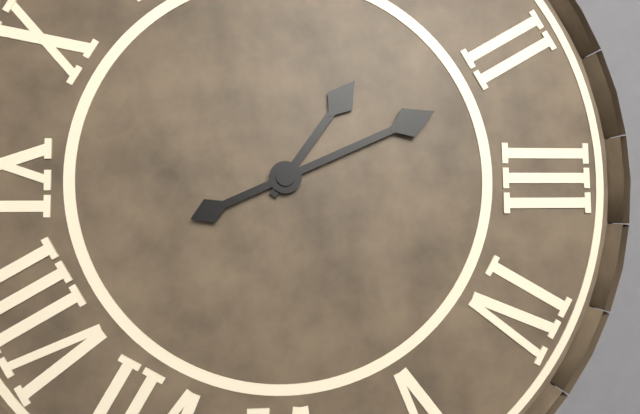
**1:11**
